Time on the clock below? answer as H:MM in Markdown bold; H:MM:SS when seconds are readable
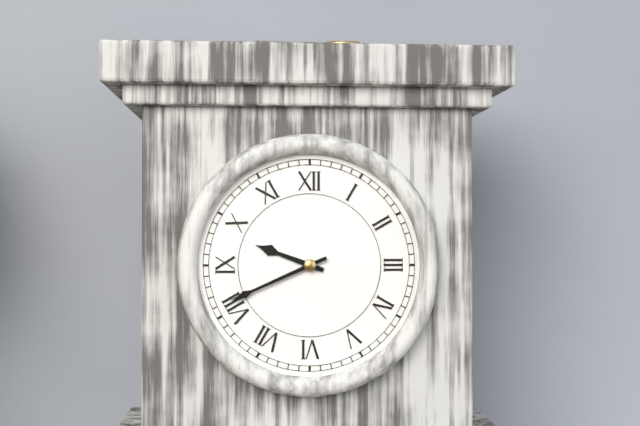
**9:41**
